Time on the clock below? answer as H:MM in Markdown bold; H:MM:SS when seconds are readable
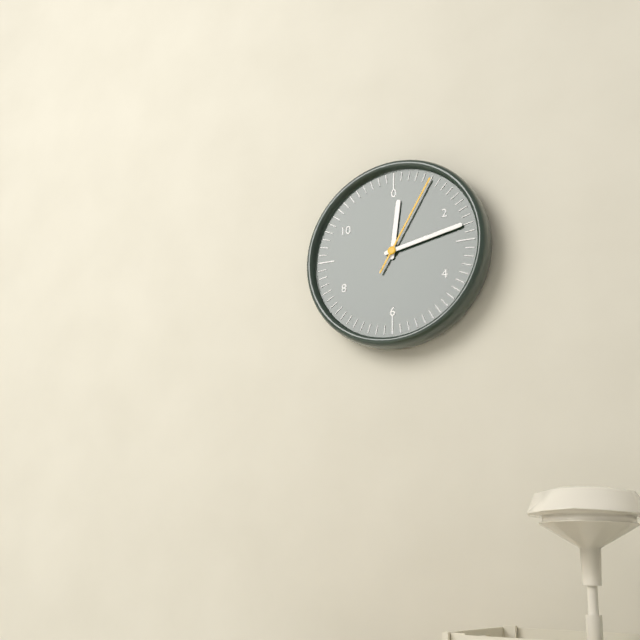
**12:13:05**
